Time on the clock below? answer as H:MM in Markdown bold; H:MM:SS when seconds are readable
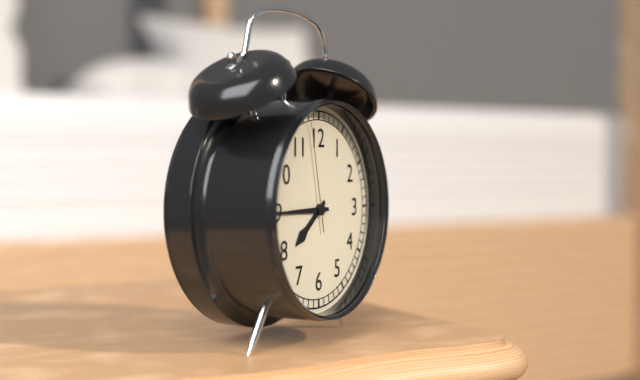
**7:45:58**
